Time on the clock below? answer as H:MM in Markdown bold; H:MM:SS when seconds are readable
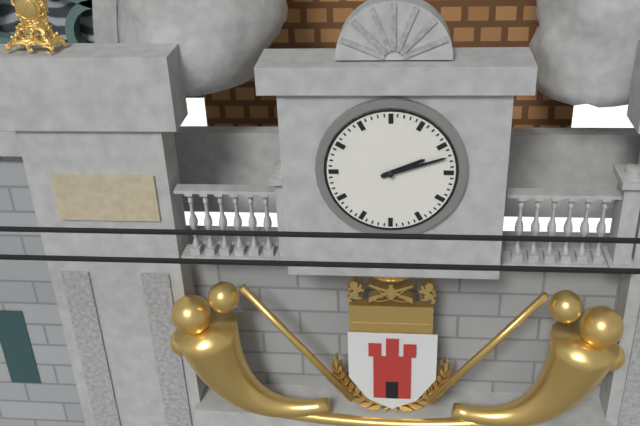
**2:12**
